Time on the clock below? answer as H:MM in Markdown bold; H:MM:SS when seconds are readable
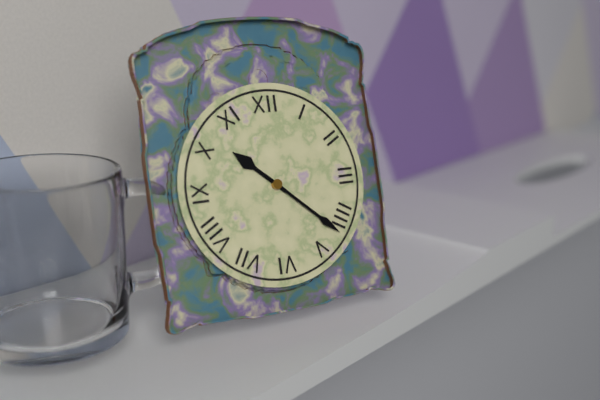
**10:22**
